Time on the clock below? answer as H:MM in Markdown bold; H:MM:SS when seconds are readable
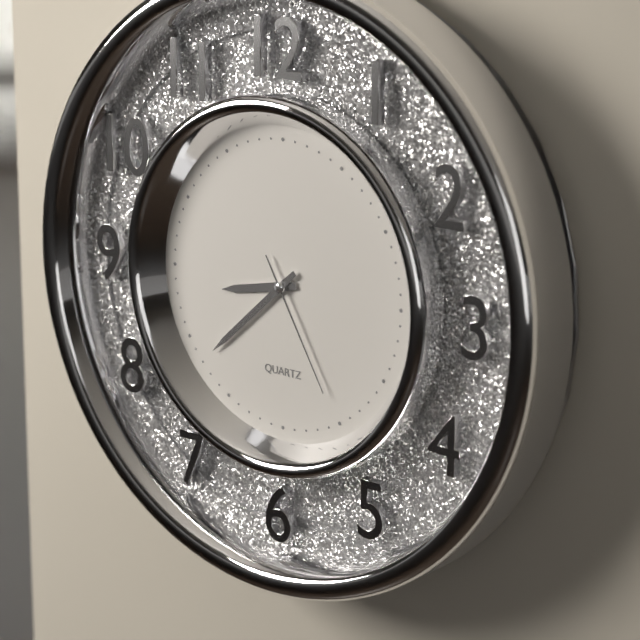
**8:38:25**
